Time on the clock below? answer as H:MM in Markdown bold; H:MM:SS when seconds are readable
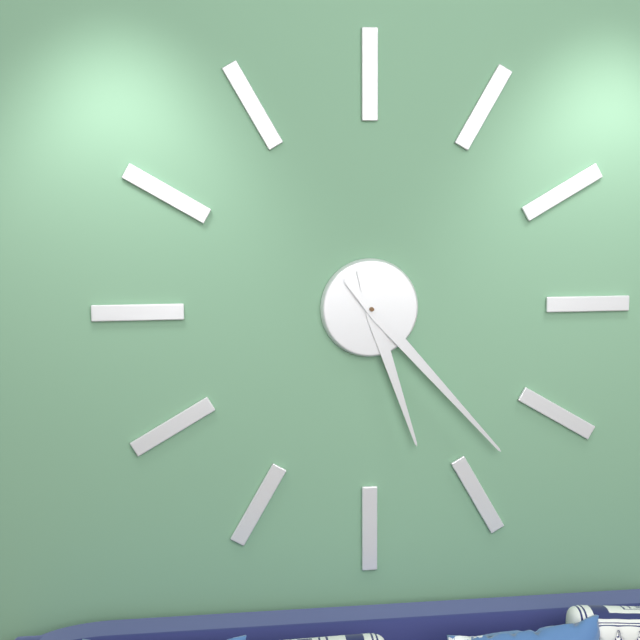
**5:23**
